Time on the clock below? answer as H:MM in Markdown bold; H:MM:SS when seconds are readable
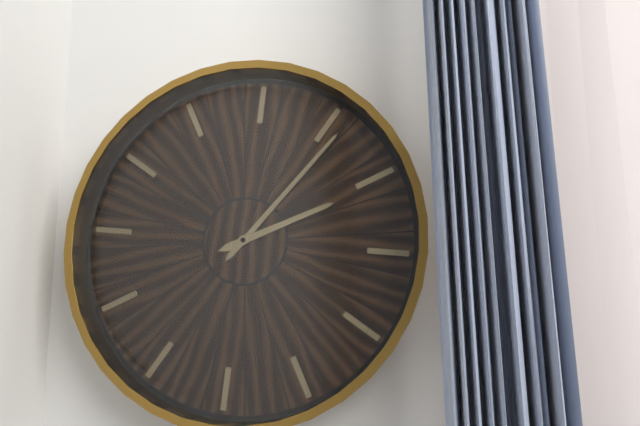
**2:06**
